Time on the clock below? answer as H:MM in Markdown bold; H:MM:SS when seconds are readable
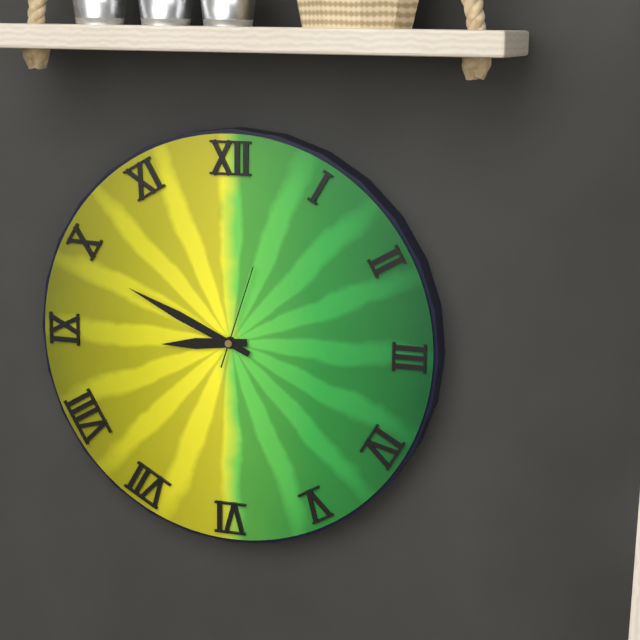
**8:49:03**
